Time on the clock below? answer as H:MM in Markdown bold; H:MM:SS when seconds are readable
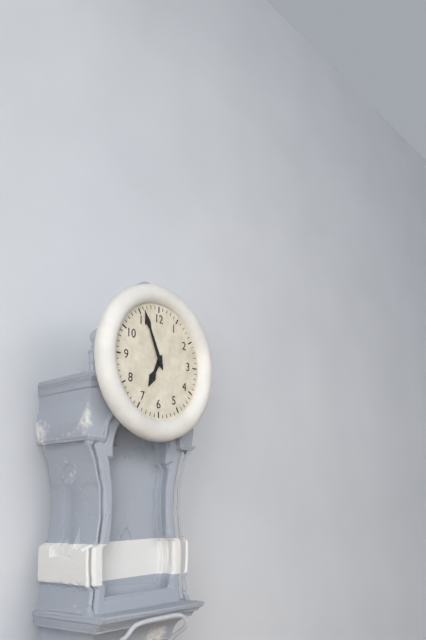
**6:56**
